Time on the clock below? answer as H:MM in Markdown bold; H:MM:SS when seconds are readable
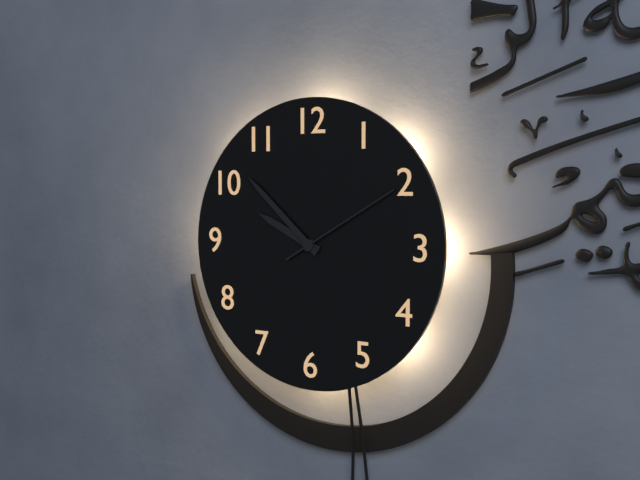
**9:52:10**
